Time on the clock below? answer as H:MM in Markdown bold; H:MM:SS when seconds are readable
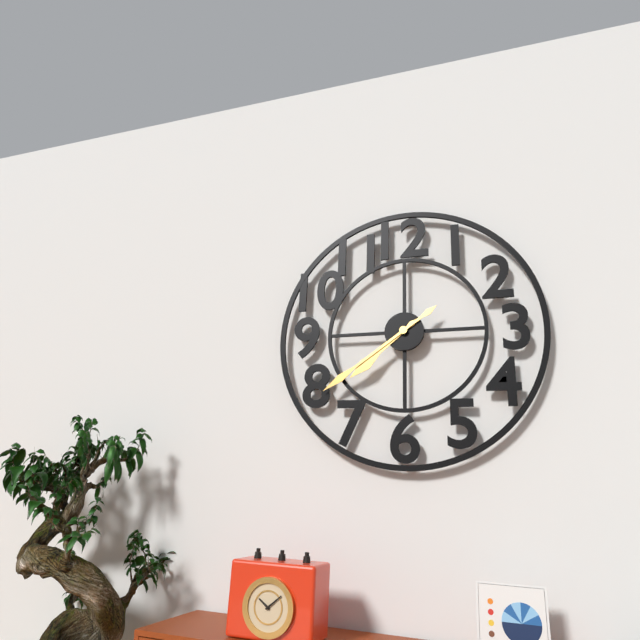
**7:39**
